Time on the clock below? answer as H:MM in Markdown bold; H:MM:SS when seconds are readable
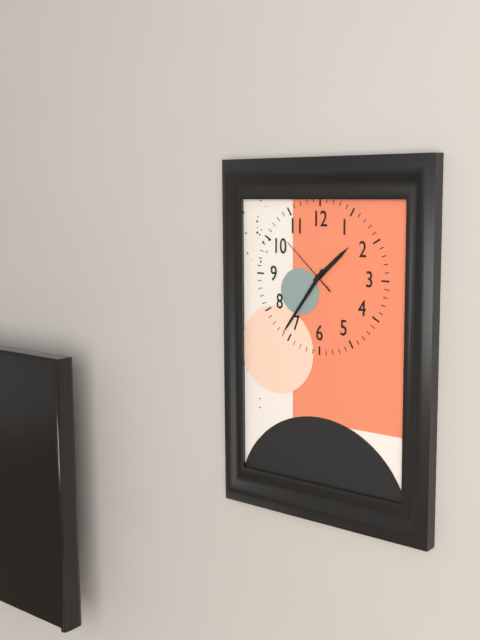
**1:36:52**
